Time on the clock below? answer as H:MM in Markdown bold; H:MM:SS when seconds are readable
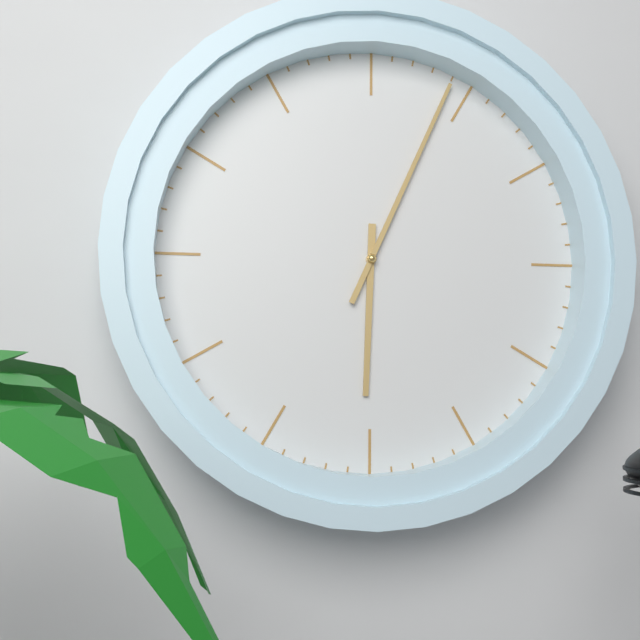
**6:04**
